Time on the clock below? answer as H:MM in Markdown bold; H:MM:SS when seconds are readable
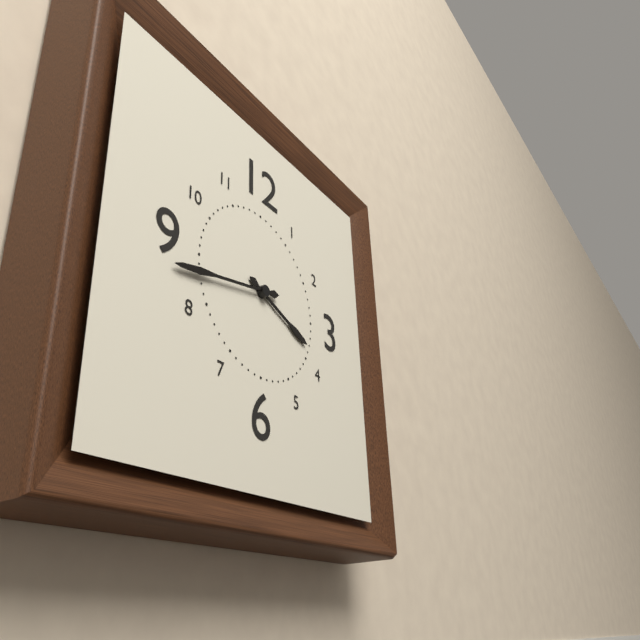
**3:43**
